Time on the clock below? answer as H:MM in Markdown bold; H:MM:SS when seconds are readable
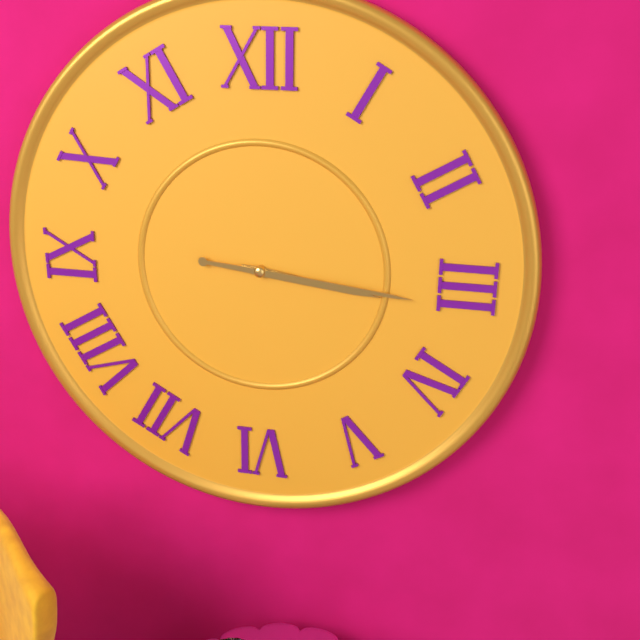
**3:16**
